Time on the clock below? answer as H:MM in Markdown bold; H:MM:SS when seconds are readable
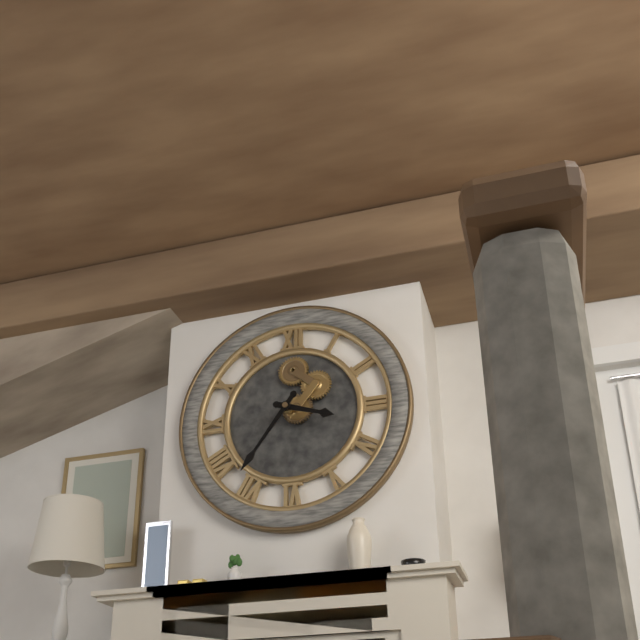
**3:36**
